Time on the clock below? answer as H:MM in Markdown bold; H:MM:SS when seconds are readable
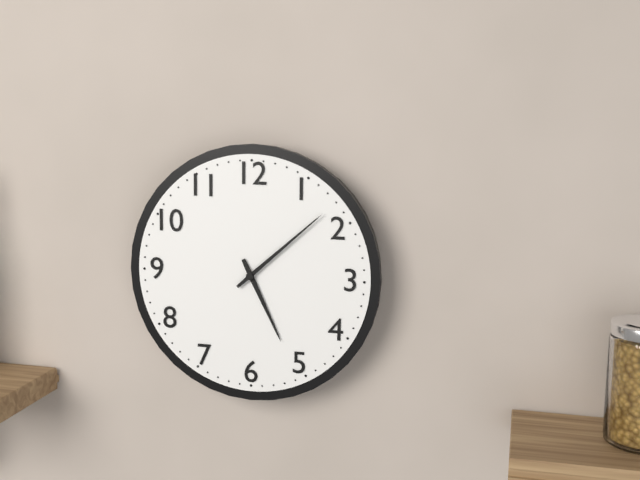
**5:08**
